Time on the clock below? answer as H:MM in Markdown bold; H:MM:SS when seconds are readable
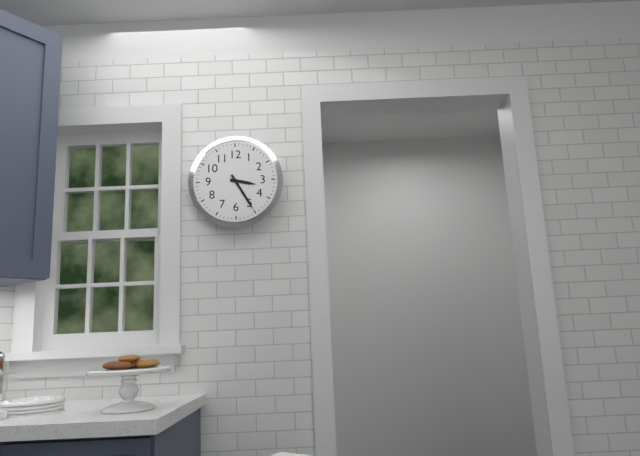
**3:25**
